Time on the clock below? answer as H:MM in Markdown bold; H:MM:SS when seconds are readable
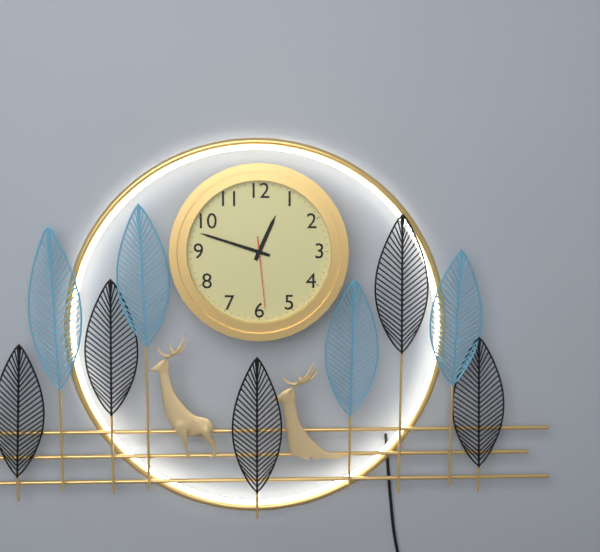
**12:48:29**
